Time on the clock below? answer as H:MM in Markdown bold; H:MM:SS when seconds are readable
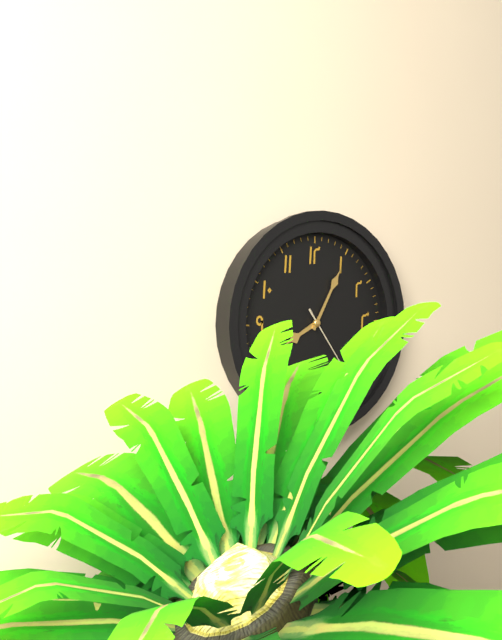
**8:05**
